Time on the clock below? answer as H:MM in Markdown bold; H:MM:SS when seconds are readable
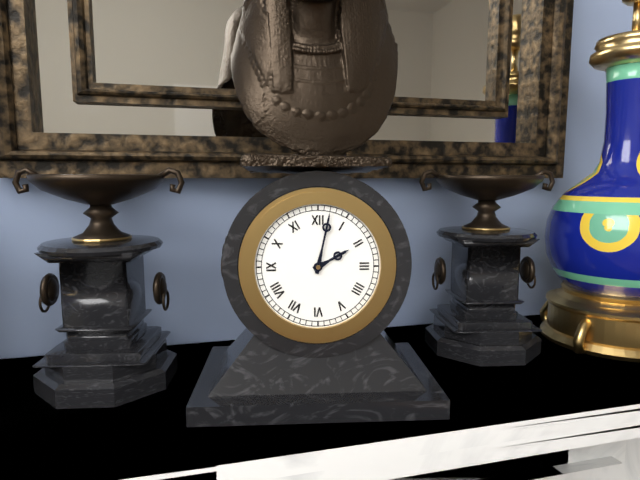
**2:02**
